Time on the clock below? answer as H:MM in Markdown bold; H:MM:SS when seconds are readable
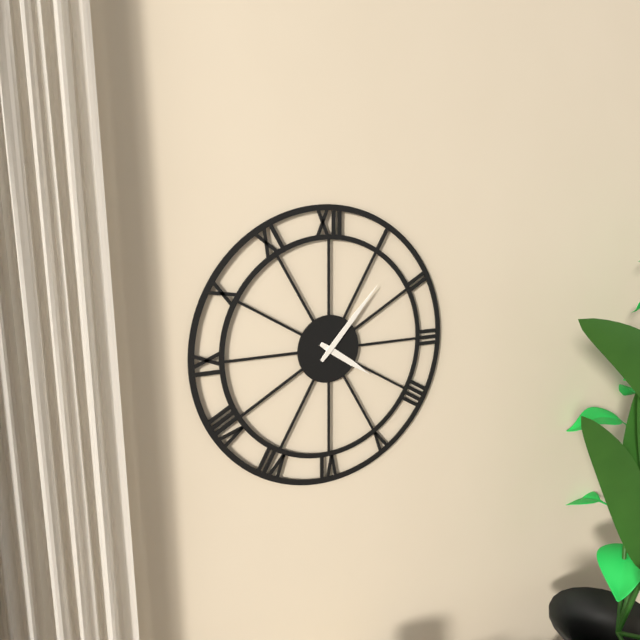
**4:07**
